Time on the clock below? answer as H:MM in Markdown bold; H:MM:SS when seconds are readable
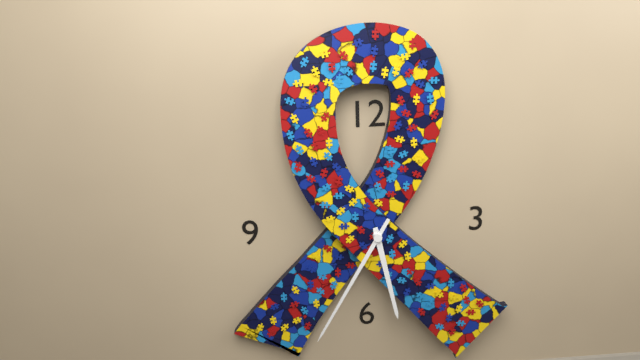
**5:35**
